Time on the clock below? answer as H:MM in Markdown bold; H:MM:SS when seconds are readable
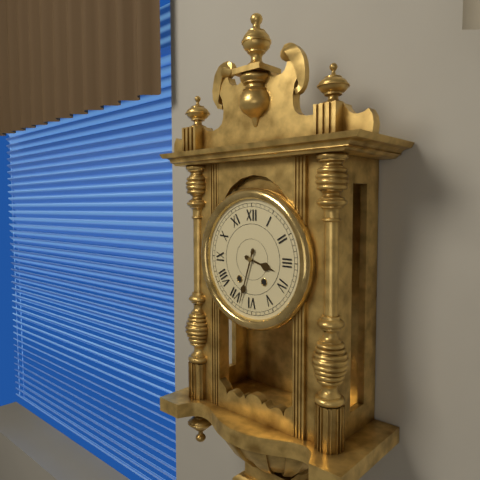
**3:33**
